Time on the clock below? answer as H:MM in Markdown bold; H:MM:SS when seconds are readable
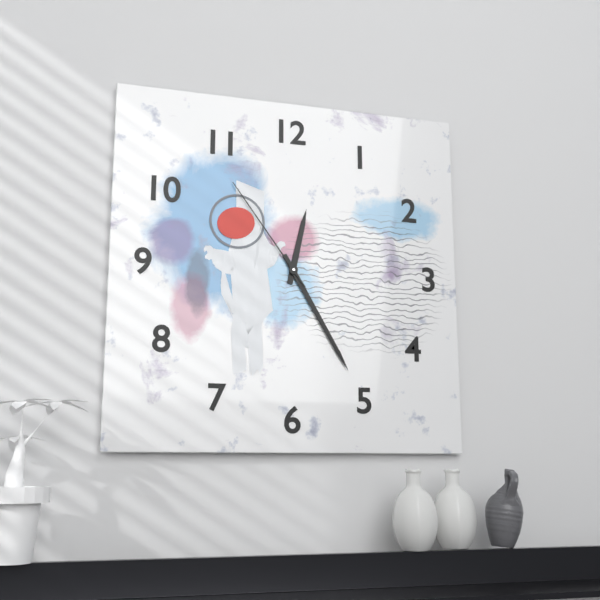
**12:25:54**
